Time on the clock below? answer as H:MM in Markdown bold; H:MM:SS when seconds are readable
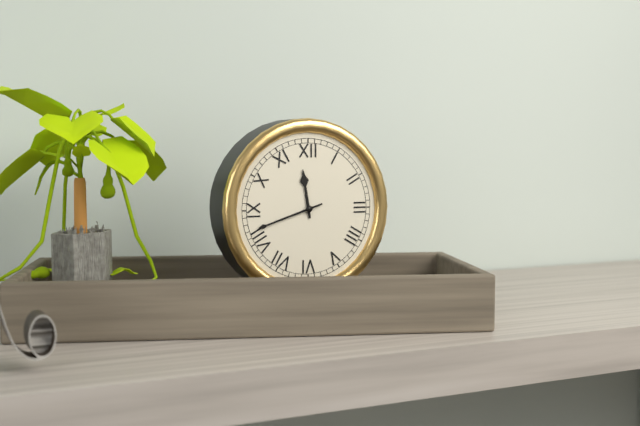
**11:42**
